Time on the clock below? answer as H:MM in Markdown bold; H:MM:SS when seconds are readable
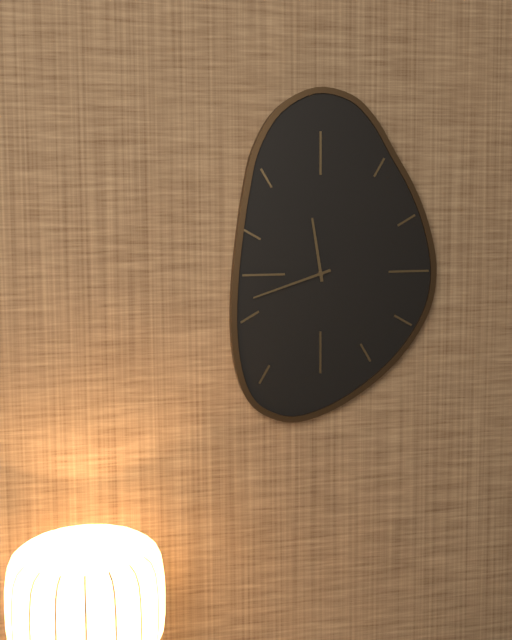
**11:42**
